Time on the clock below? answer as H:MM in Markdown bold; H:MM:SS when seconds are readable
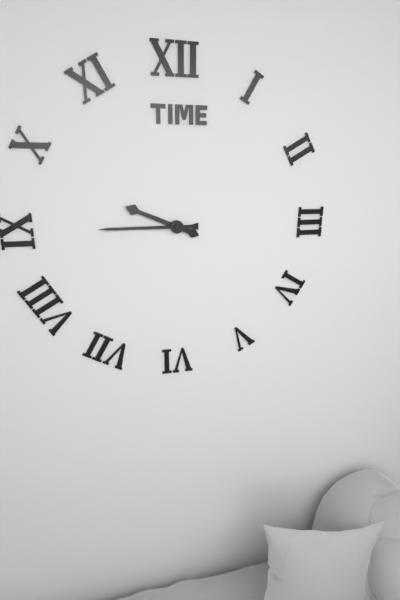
**9:45**
